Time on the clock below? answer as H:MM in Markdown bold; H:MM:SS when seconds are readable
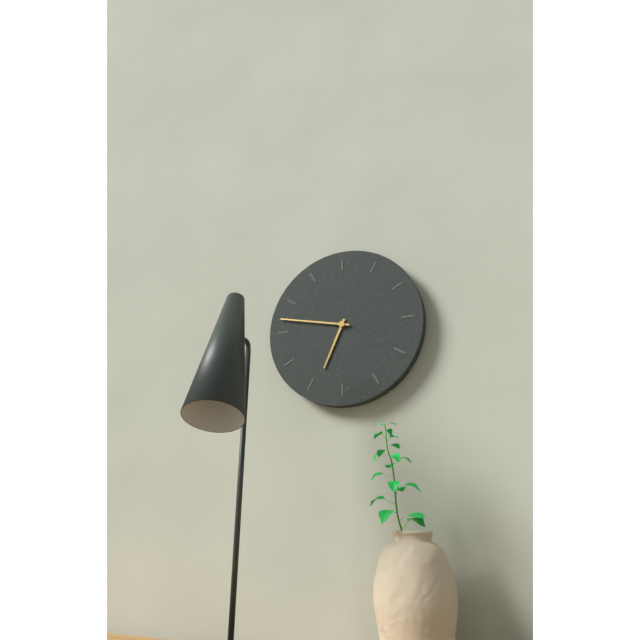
**6:47**
